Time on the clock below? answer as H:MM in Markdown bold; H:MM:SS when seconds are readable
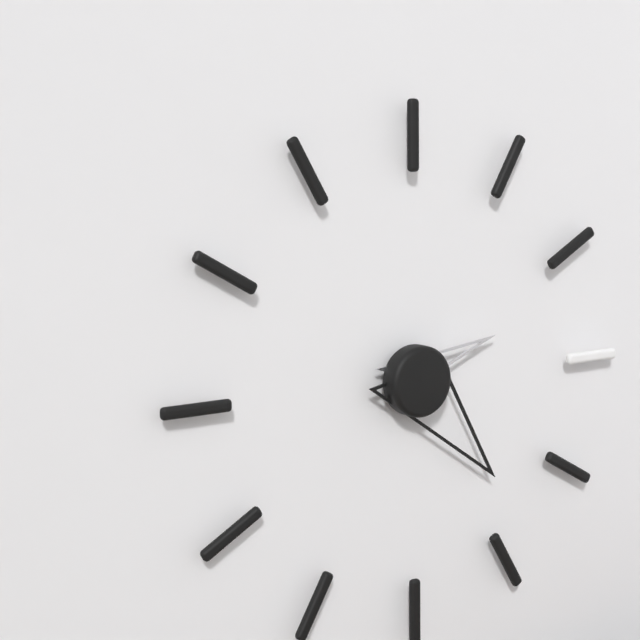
**2:23**
